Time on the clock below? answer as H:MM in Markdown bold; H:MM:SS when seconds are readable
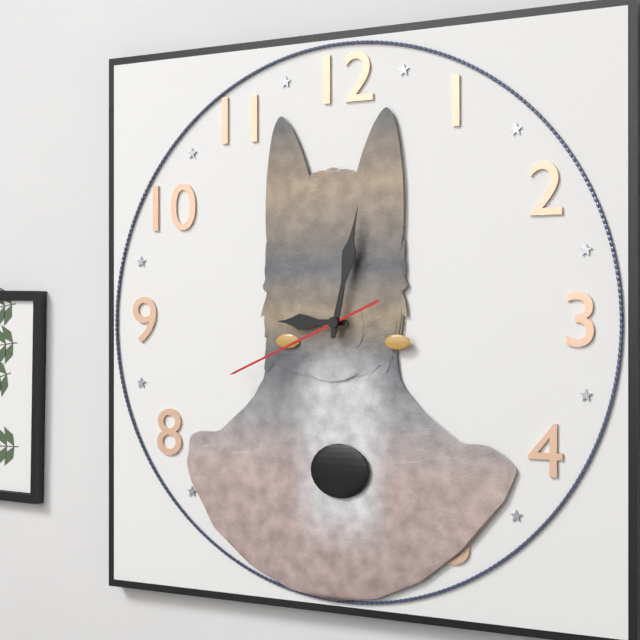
**9:02:41**
